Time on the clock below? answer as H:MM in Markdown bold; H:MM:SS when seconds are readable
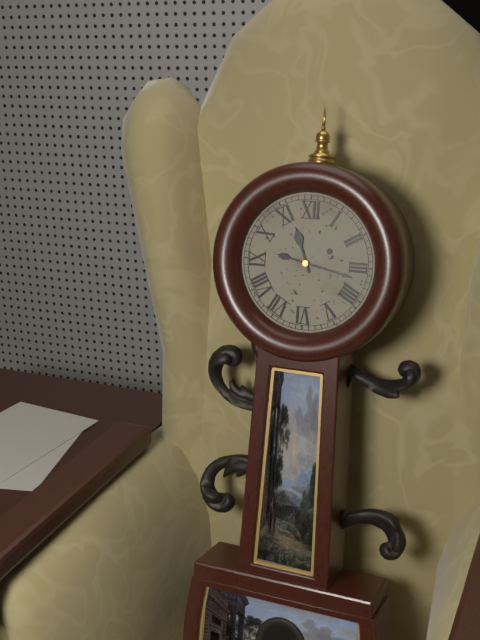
**11:17**
